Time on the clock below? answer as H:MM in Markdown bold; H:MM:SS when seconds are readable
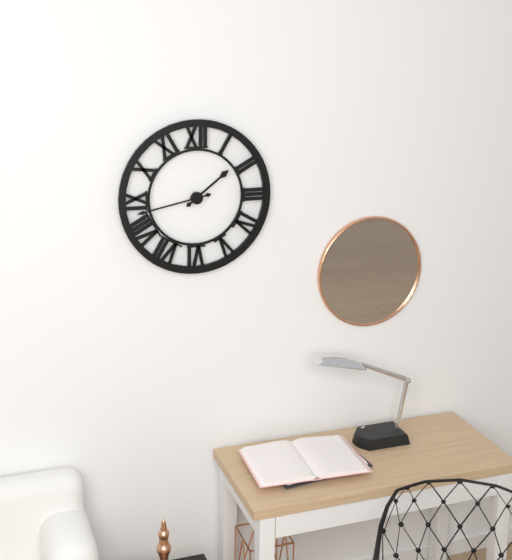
**1:43**
